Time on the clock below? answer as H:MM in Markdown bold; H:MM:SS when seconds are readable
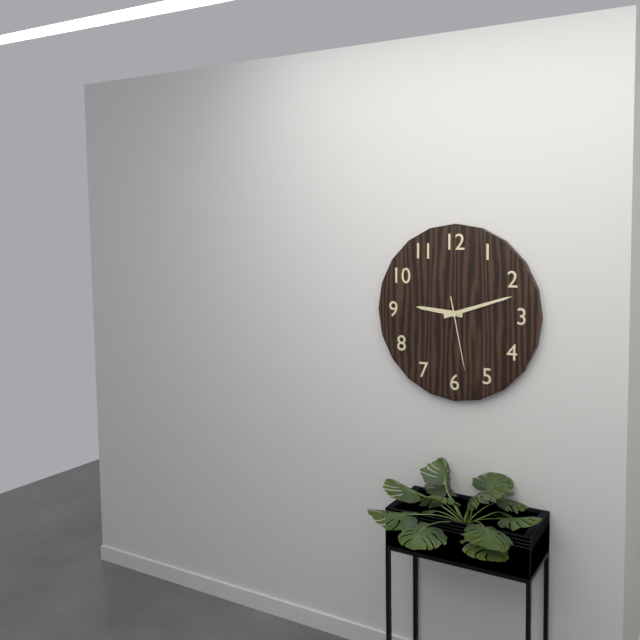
**9:12:28**
